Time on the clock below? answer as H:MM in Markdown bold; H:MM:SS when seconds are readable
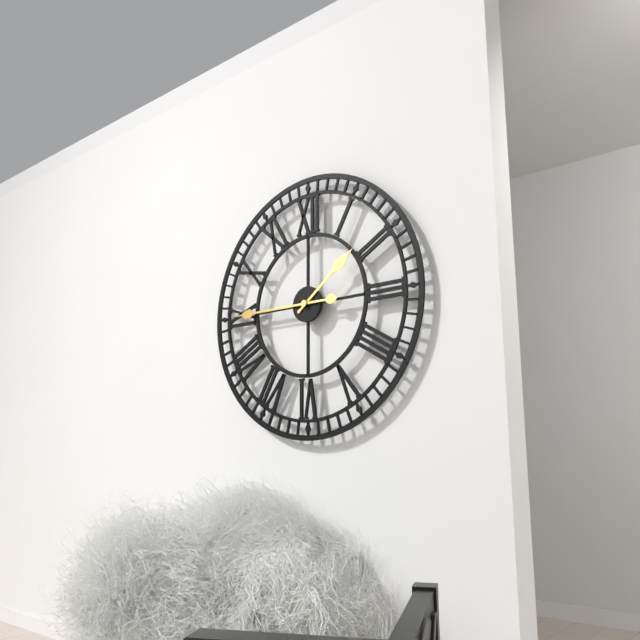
**1:45**
